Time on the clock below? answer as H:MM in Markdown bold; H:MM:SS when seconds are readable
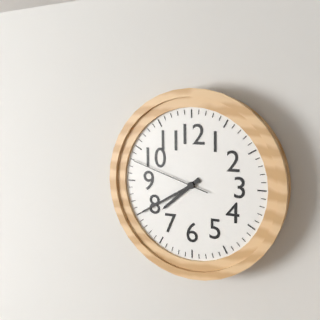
**7:40:48**
